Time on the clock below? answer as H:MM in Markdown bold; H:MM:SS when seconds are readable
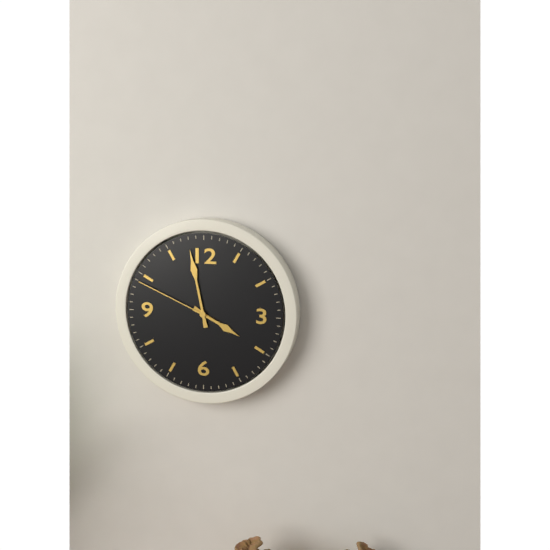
**3:58:49**
